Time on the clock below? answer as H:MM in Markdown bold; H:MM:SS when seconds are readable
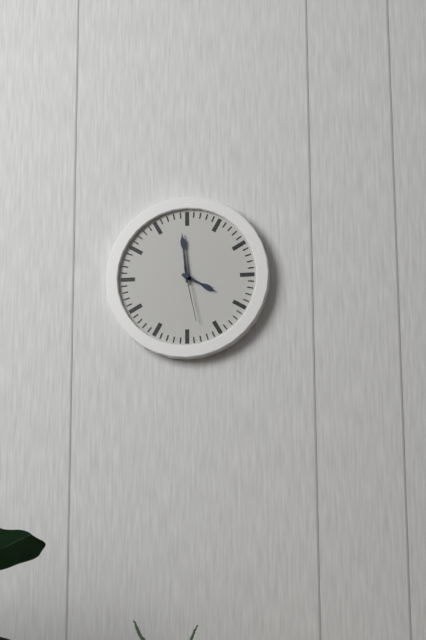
**3:59:28**
